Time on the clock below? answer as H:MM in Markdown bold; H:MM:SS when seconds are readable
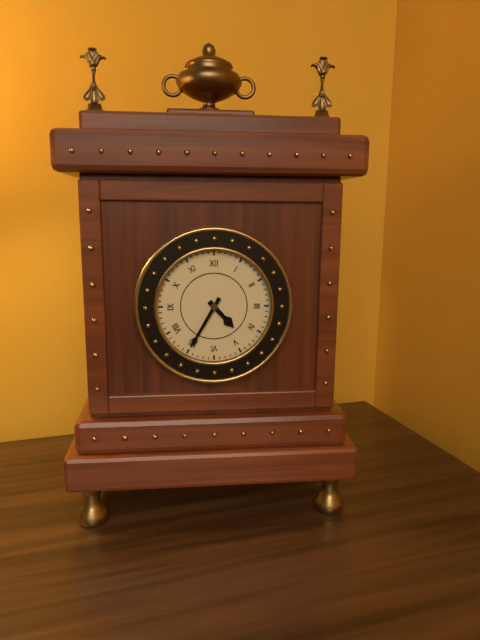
**4:35**
